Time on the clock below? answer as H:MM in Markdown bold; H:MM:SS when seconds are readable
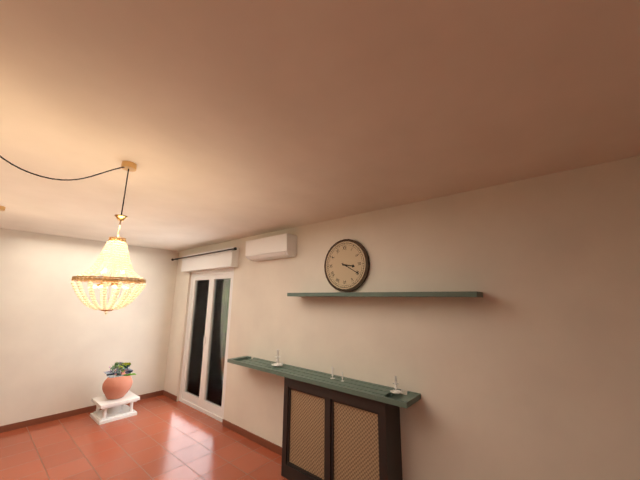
**3:20**
